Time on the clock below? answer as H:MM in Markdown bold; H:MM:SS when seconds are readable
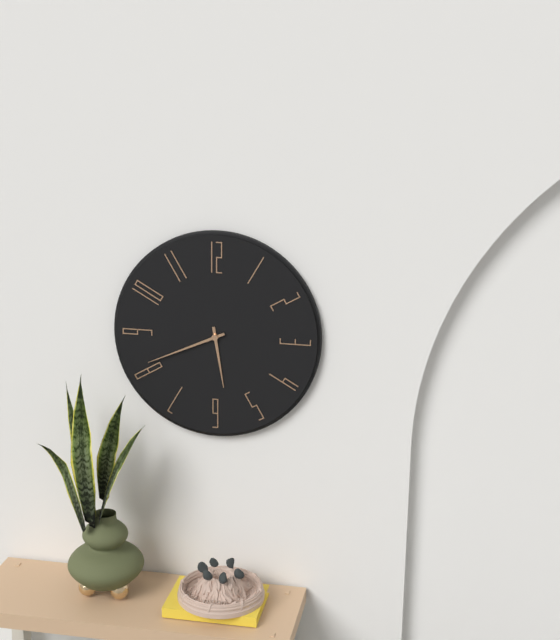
**5:41**
